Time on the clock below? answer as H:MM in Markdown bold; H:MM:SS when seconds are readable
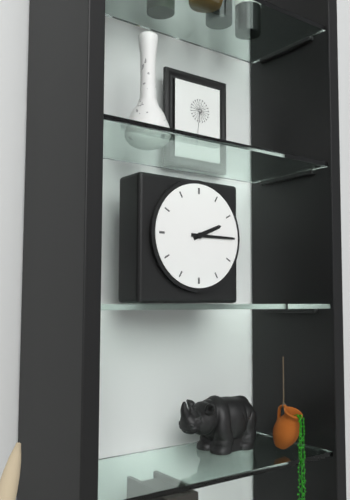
**2:15**
